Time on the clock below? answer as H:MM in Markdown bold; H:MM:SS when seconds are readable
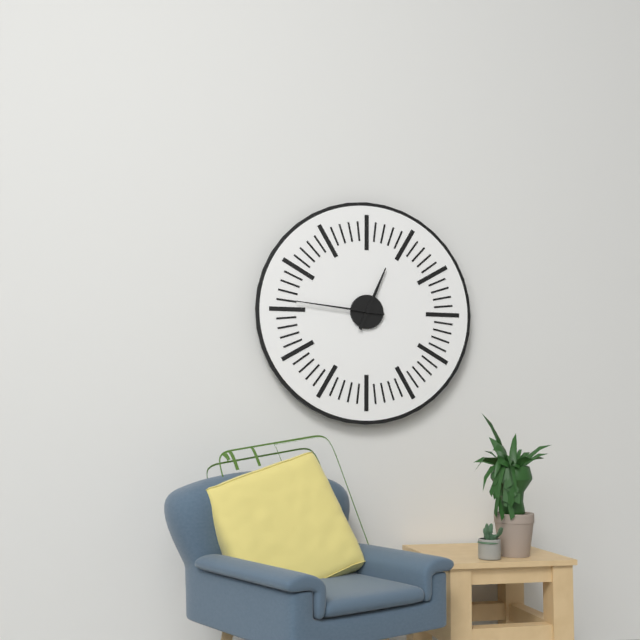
**12:46**
